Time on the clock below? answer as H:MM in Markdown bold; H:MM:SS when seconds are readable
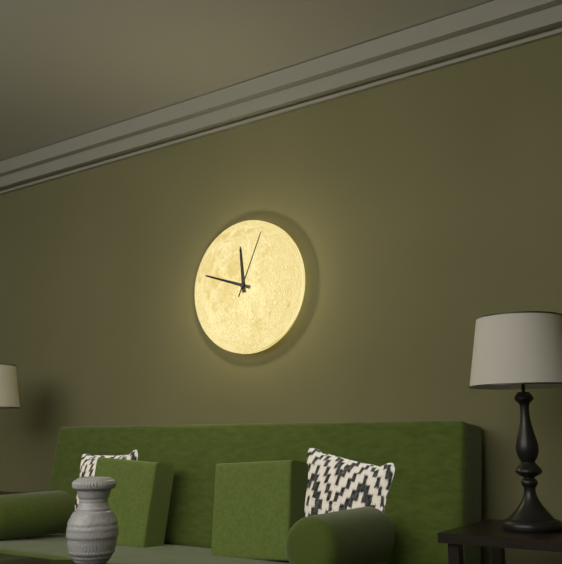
**11:48:04**
